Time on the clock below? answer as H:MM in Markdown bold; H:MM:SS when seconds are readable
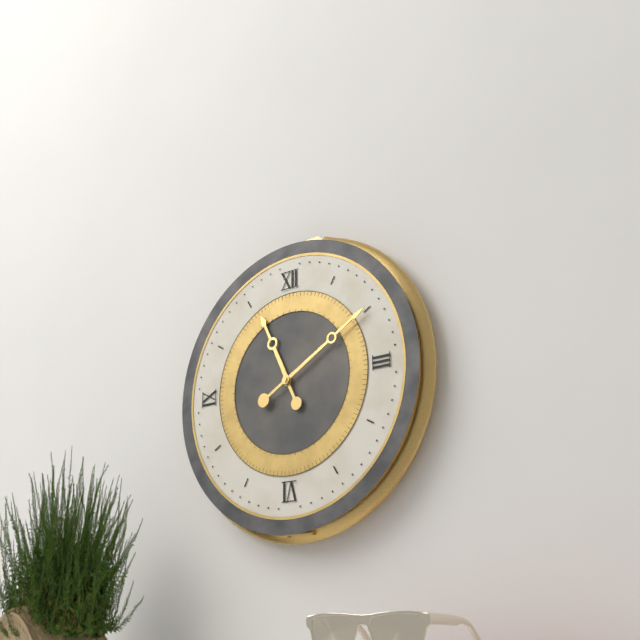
**11:10**
